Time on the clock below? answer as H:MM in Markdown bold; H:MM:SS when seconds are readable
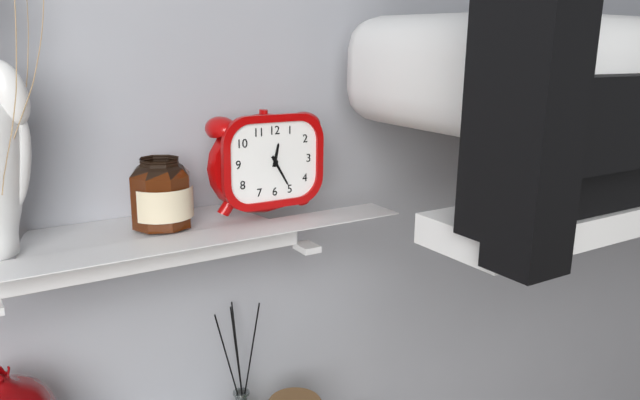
**12:25**
